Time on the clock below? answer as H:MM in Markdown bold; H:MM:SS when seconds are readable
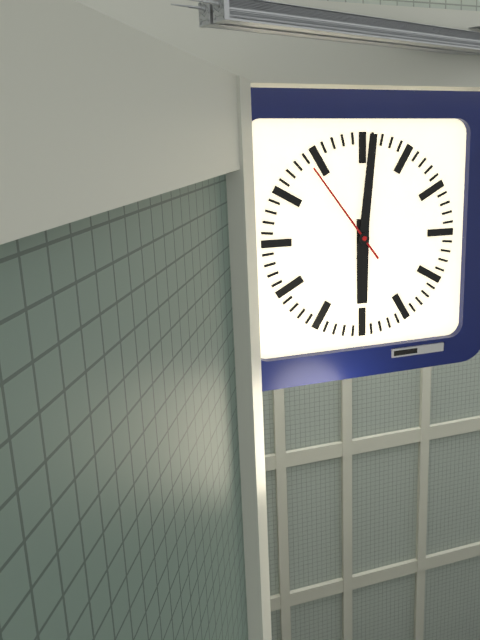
**6:01:54**
